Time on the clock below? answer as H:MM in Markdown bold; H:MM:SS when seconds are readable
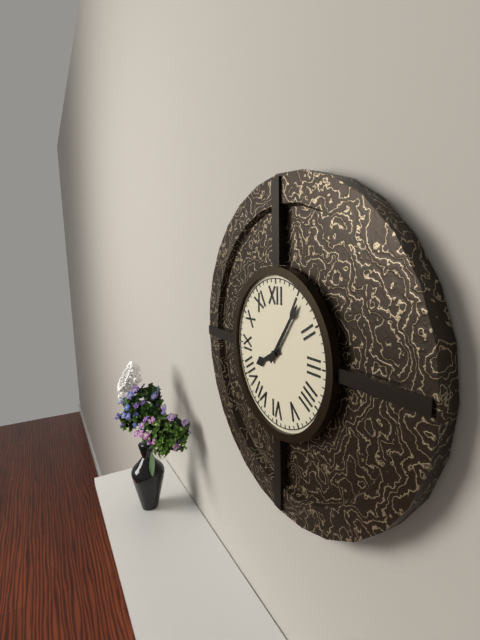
**8:06**
